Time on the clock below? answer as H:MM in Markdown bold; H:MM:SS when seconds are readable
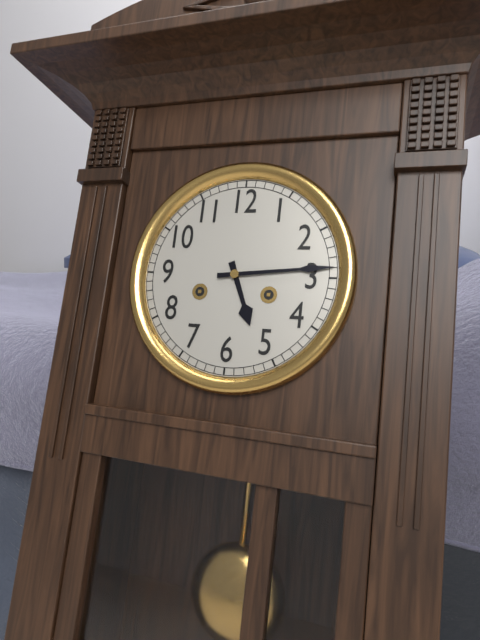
**5:14**
